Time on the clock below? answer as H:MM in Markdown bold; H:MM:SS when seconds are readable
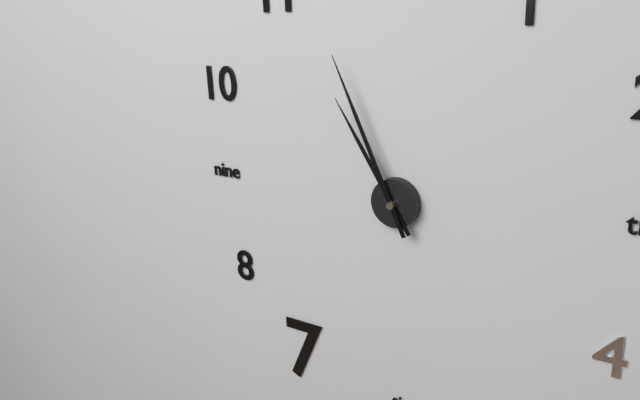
**10:56**
